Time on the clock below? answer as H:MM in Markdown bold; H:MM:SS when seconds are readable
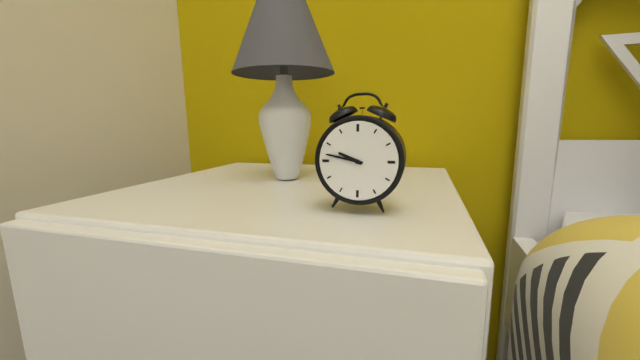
**9:47**
